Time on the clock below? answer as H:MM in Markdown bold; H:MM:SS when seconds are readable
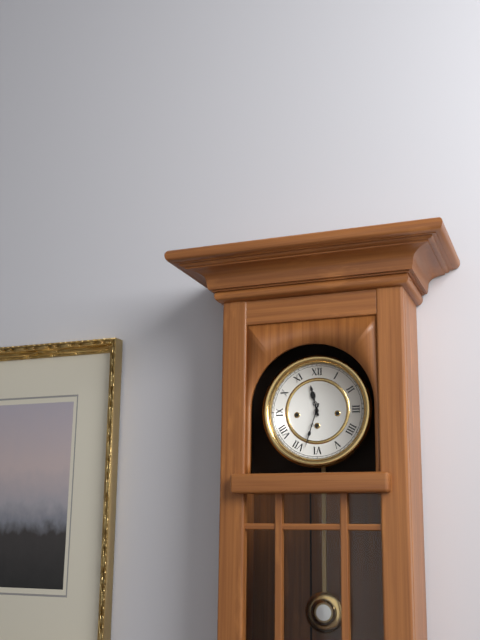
**11:33**
